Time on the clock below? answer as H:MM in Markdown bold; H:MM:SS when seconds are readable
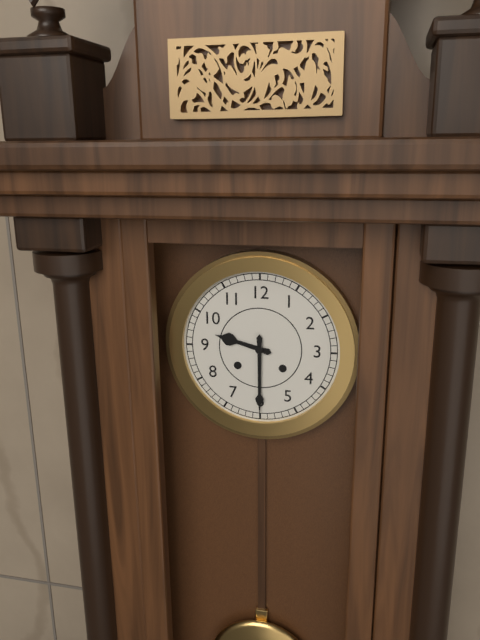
**9:30**
